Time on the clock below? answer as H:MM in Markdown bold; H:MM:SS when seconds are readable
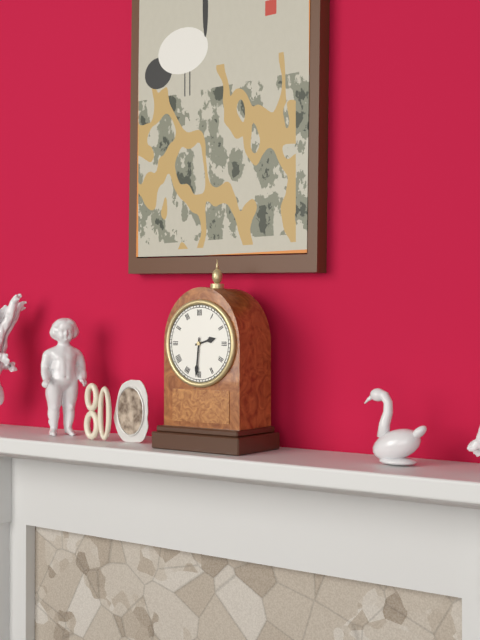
**2:31**
